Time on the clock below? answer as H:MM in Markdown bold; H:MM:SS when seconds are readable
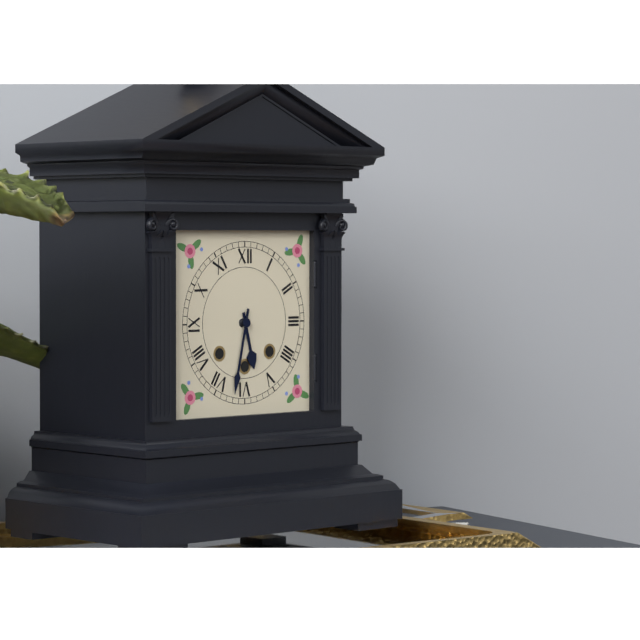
**5:32**
